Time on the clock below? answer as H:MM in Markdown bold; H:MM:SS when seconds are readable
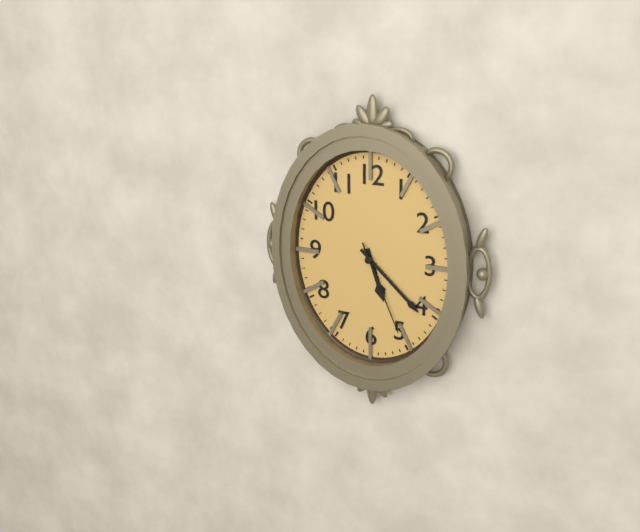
**5:22:26**
